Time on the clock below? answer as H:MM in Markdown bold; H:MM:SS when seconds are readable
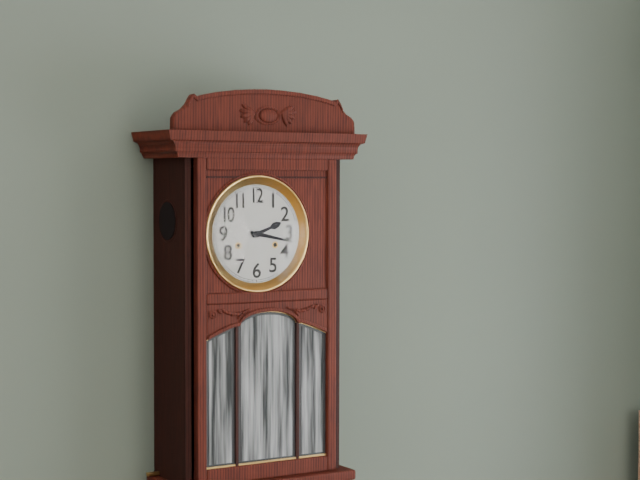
**2:17**
